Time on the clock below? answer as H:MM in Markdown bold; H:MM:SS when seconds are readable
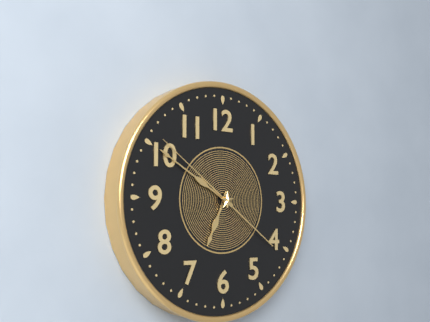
**6:50:51**
